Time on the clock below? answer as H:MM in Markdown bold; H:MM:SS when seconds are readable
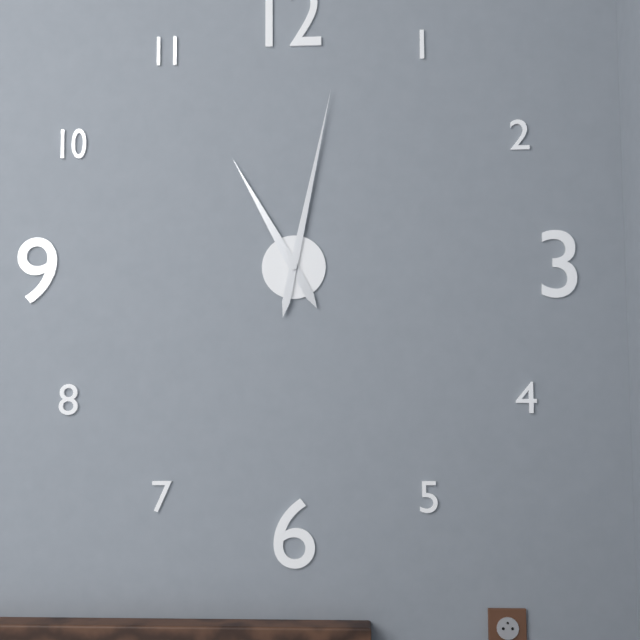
**11:02**
